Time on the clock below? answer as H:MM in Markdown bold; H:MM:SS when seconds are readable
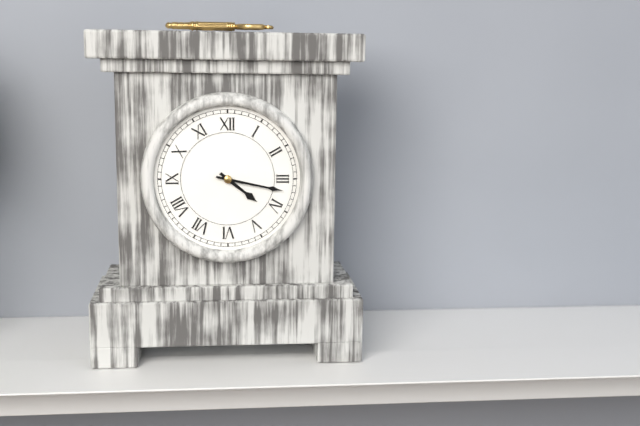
**4:17**
